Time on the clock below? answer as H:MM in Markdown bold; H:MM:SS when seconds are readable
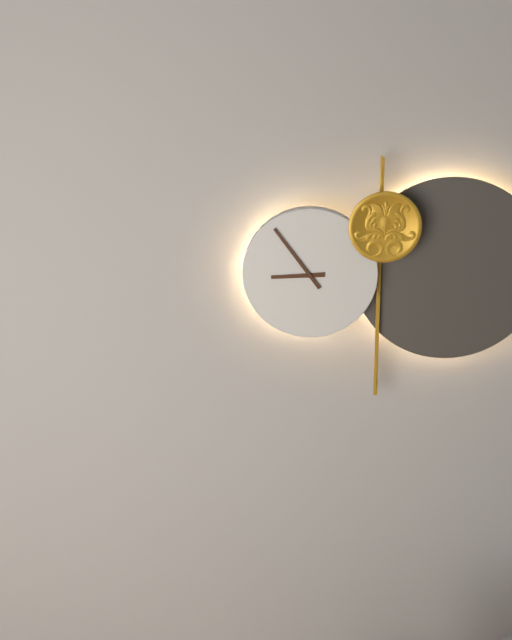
**8:54**
